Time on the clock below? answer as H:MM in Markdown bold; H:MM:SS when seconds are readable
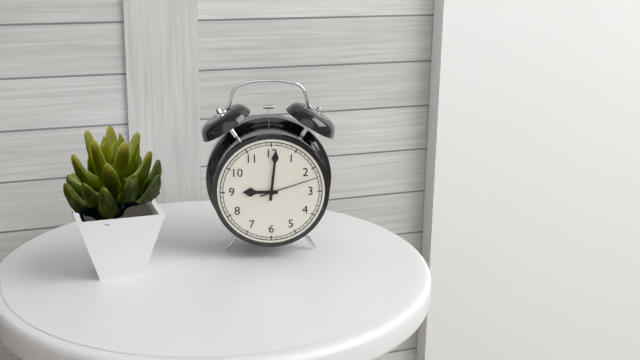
**9:01:12**
